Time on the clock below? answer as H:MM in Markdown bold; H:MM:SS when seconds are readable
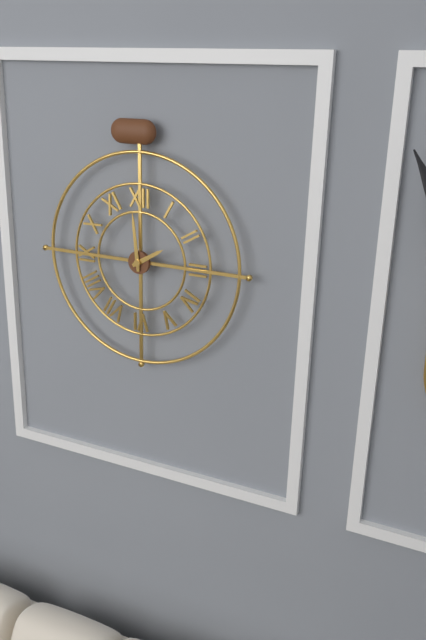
**1:59**
